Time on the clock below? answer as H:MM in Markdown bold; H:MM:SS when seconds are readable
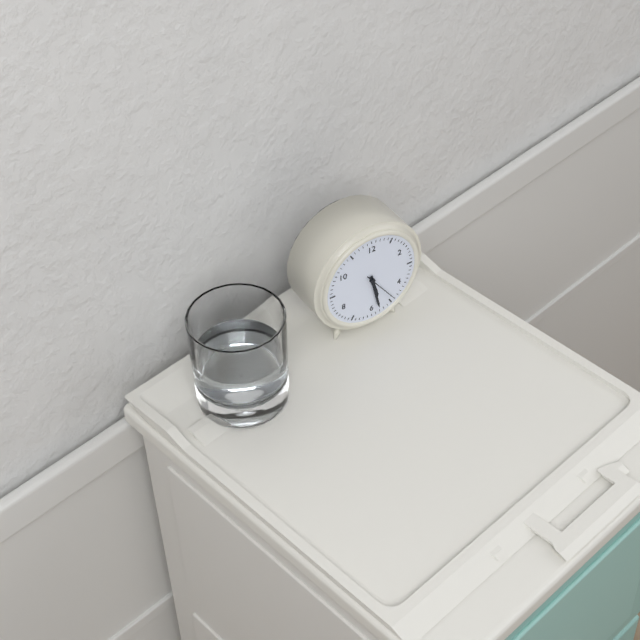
**5:28**
